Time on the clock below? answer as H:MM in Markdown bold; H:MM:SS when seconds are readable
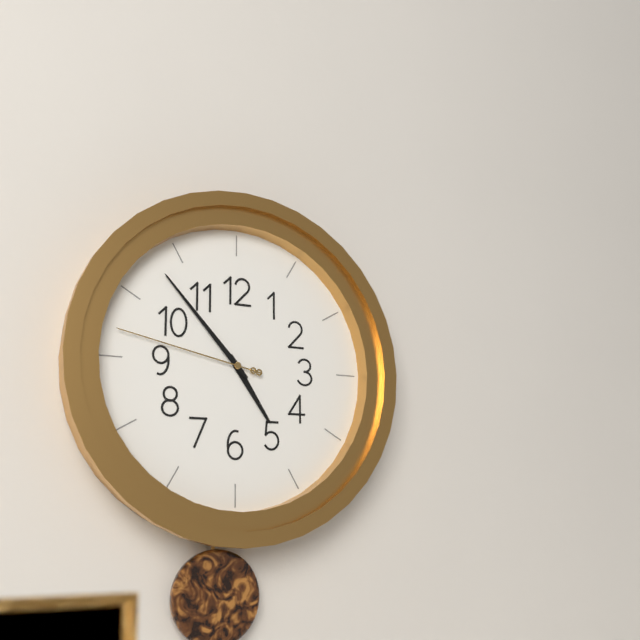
**4:53:47**
